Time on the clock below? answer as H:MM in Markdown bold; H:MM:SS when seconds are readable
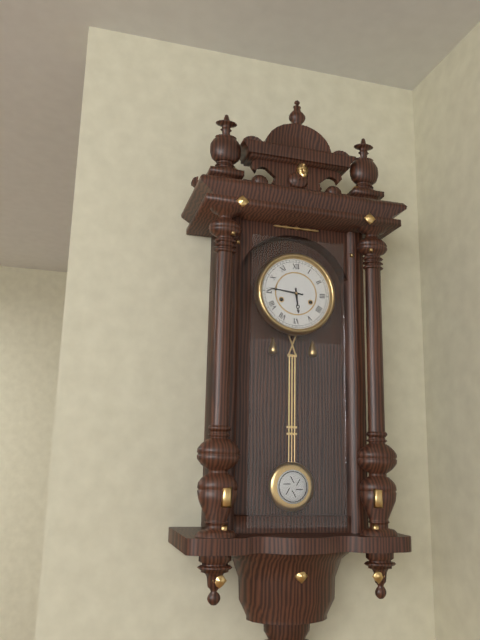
**5:46**
